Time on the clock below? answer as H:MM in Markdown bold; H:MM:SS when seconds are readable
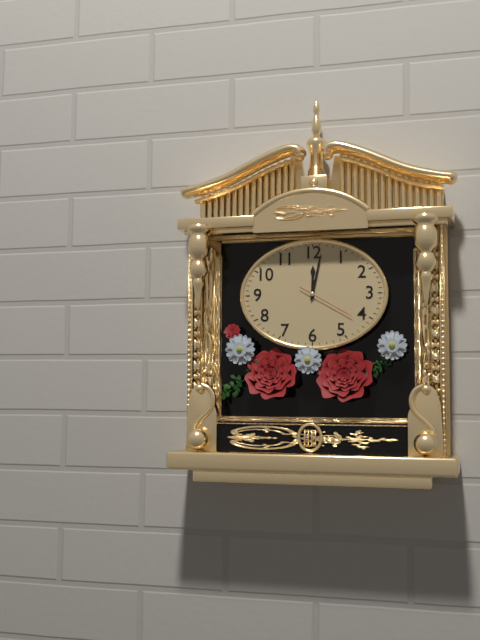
**12:02:20**
